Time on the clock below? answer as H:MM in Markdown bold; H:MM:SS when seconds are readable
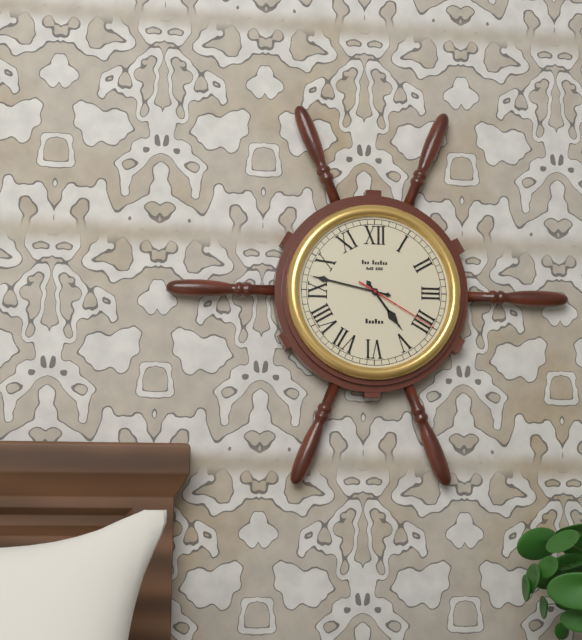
**4:47:20**
